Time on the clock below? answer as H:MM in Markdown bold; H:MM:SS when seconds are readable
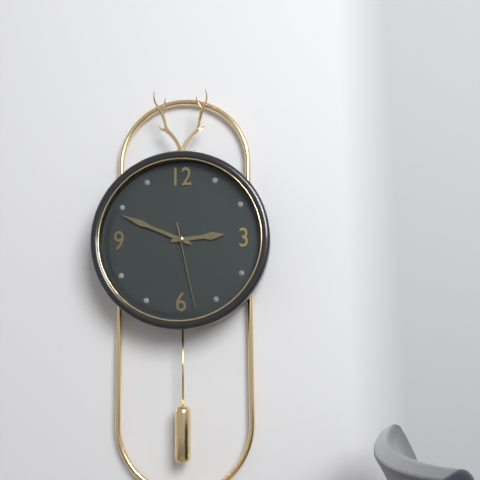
**2:49:28**
